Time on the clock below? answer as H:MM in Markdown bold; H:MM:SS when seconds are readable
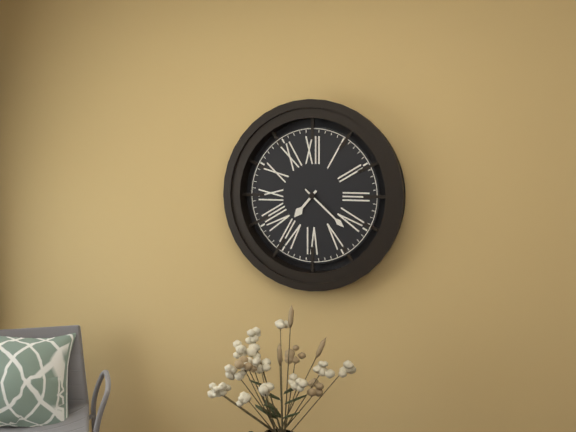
**7:22**
